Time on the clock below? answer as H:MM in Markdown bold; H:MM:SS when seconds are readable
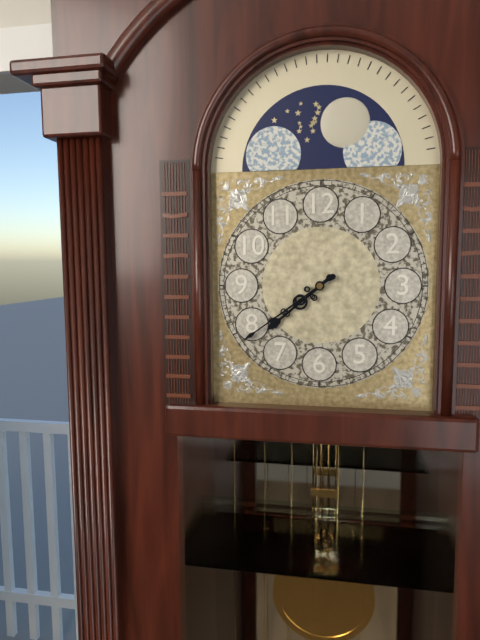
**7:39**
